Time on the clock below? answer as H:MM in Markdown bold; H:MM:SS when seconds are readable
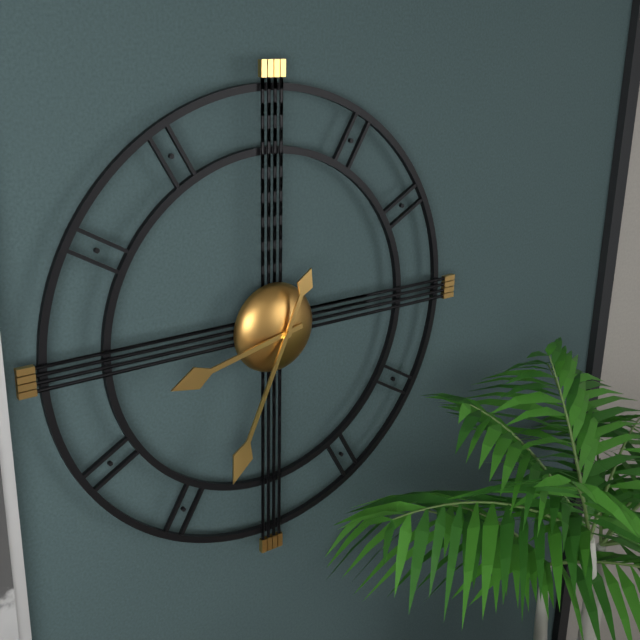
**8:34**
